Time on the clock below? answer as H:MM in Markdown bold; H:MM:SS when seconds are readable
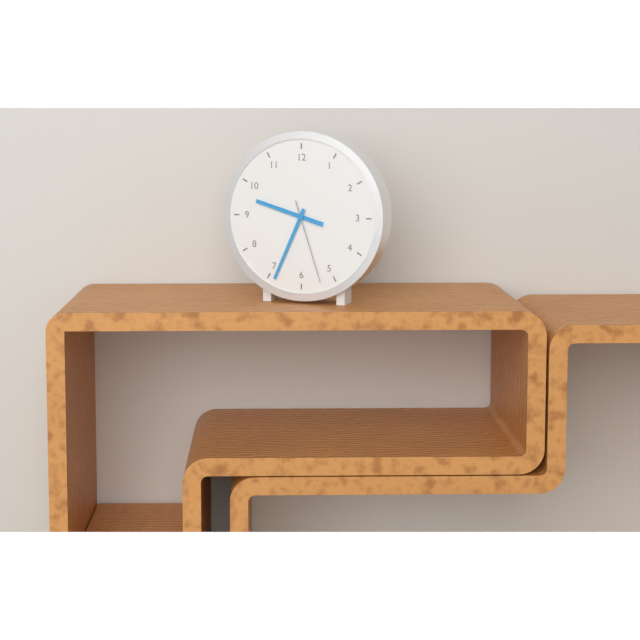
**9:34:27**
